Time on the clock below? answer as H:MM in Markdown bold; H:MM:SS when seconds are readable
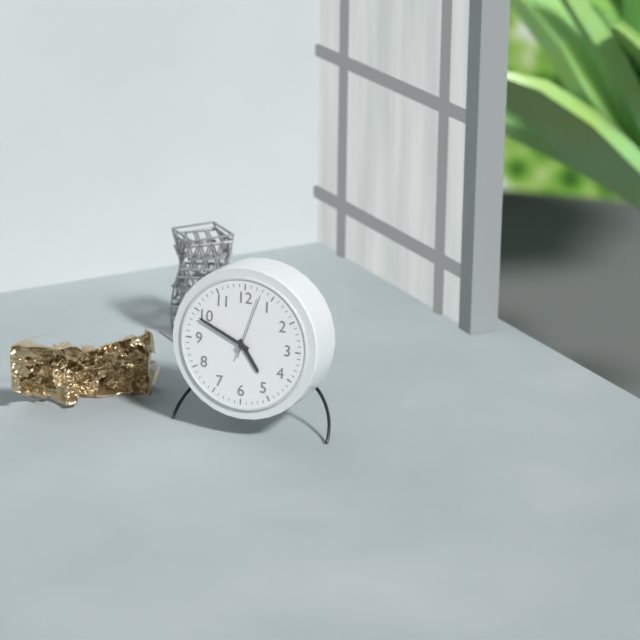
**4:49:03**
